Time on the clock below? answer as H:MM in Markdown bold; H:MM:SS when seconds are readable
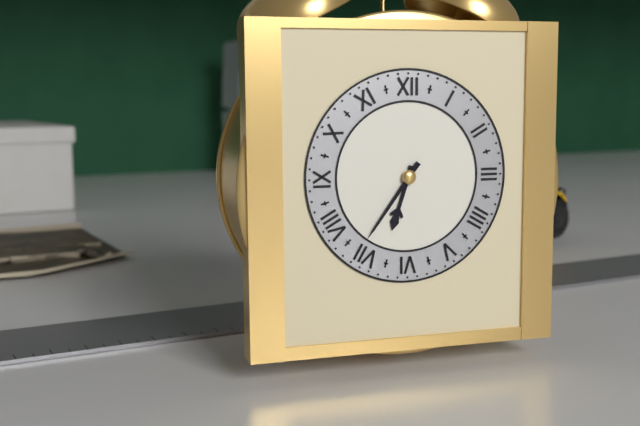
**6:36**
